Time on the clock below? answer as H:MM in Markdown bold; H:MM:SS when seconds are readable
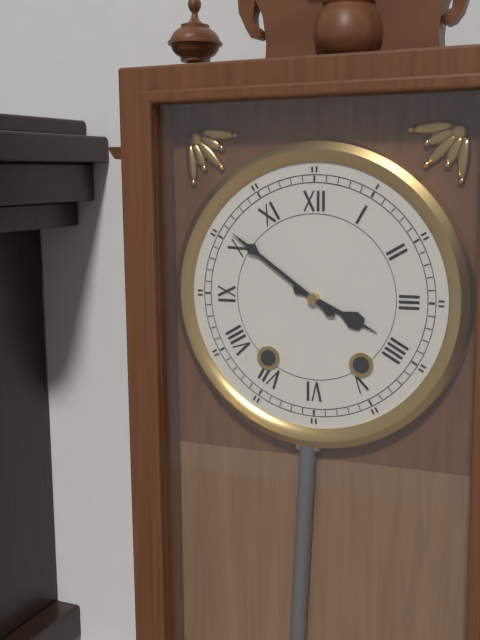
**3:51**
